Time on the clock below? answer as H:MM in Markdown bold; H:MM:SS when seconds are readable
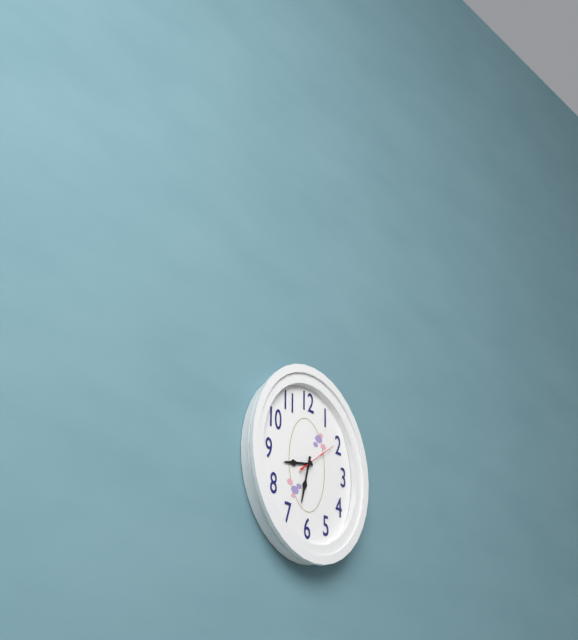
**8:32**
